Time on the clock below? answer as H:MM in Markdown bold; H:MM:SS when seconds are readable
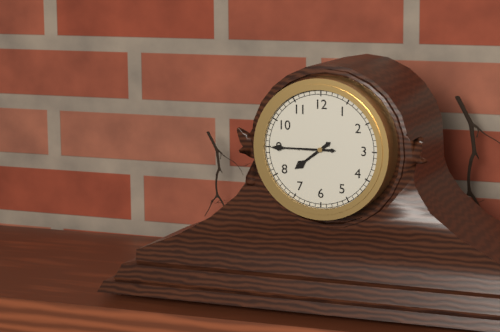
**7:45**
